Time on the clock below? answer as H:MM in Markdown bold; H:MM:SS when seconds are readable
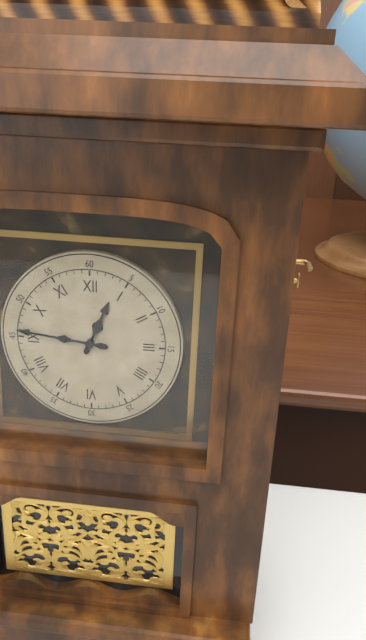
**12:46**
